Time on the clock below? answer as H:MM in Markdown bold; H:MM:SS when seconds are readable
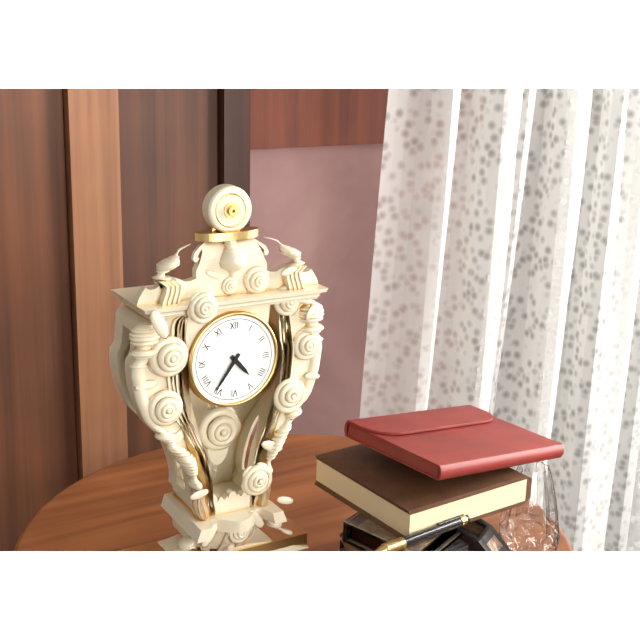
**4:36**
